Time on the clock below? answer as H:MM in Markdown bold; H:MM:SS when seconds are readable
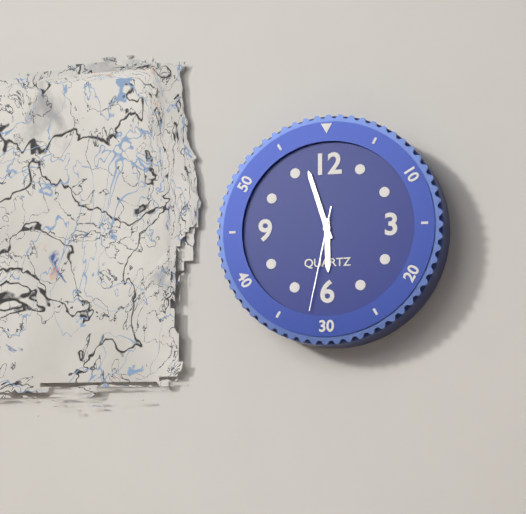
**5:57:32**
